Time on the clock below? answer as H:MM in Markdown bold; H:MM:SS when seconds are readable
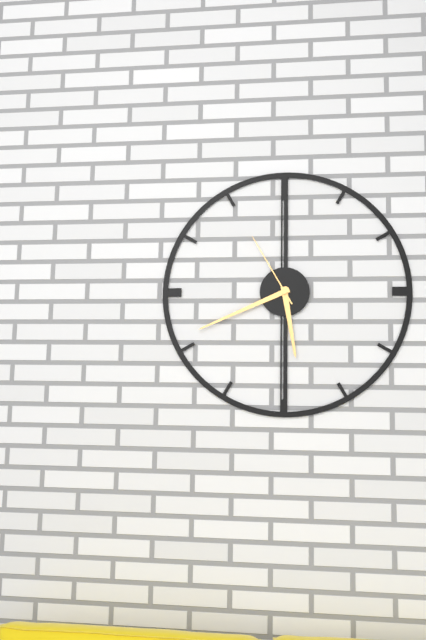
**5:41:55**
